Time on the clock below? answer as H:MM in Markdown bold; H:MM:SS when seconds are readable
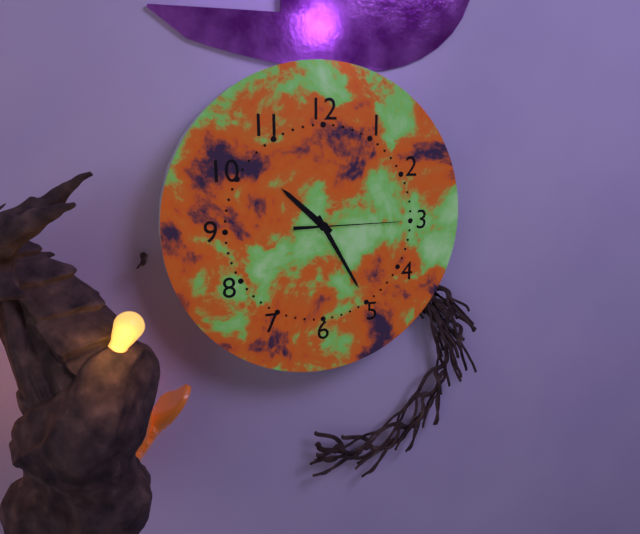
**10:25:15**
